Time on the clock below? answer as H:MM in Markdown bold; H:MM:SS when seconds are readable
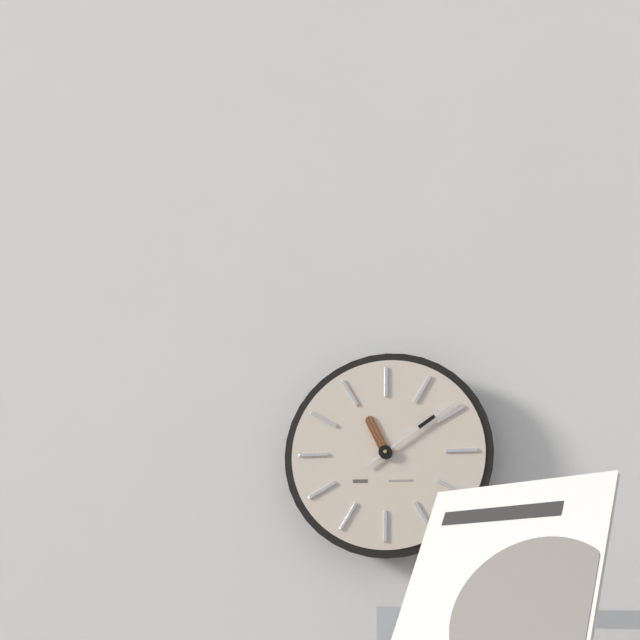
**11:09**
